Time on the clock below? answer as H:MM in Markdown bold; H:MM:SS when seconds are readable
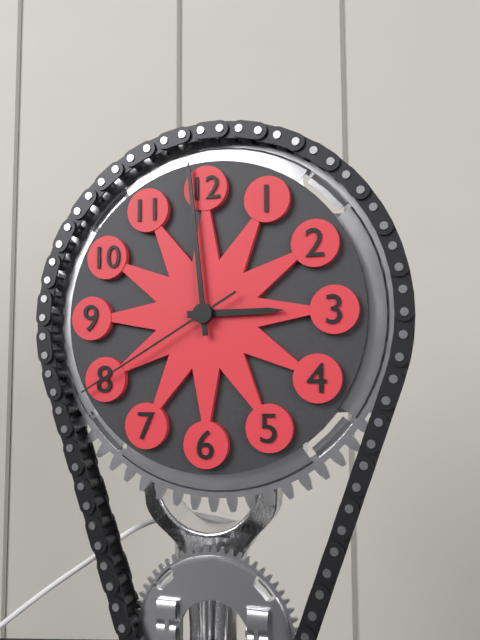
**2:59:40**
